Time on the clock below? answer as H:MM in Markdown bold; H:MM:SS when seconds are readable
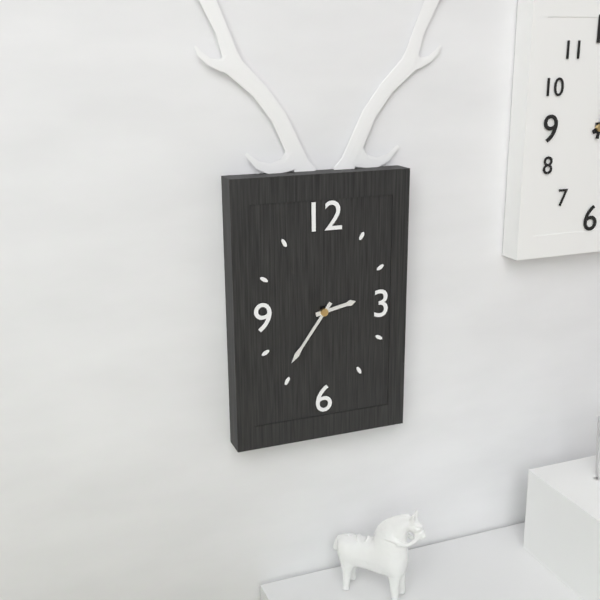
**2:36**
